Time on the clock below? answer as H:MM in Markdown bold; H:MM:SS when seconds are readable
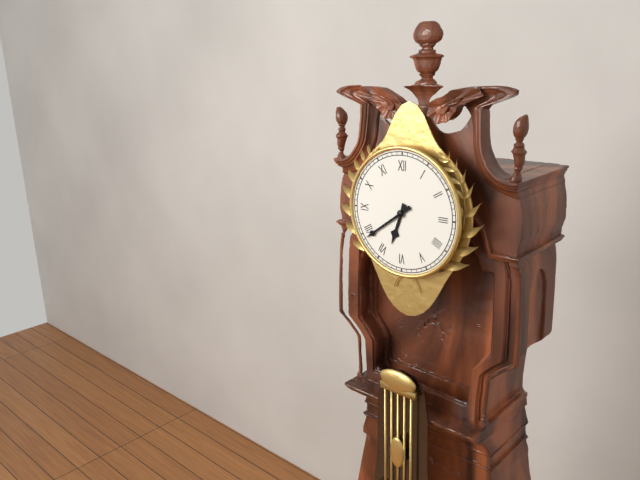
**6:39**
